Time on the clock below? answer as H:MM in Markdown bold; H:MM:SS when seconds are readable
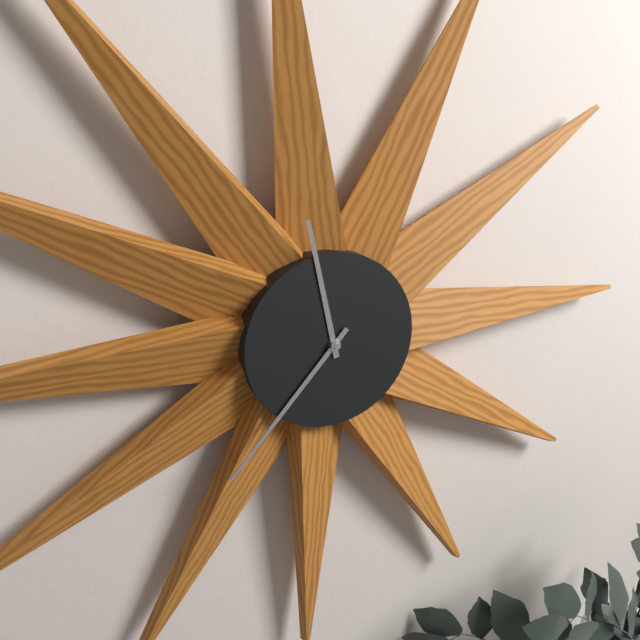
**11:37**
